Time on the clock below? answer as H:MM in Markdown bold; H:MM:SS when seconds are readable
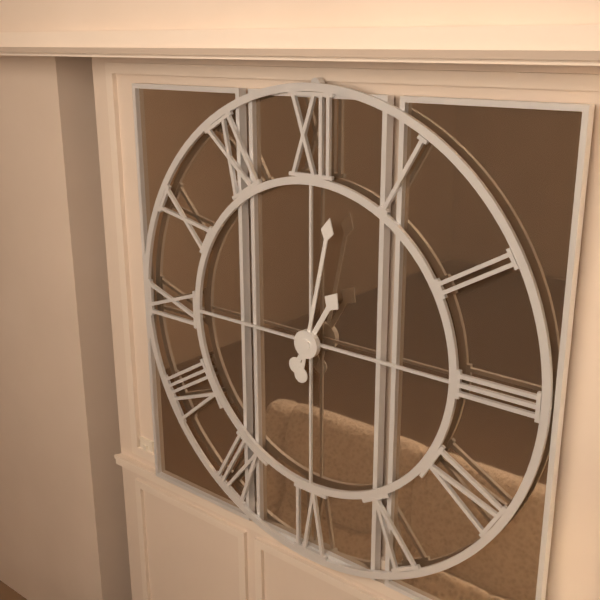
**1:02**
